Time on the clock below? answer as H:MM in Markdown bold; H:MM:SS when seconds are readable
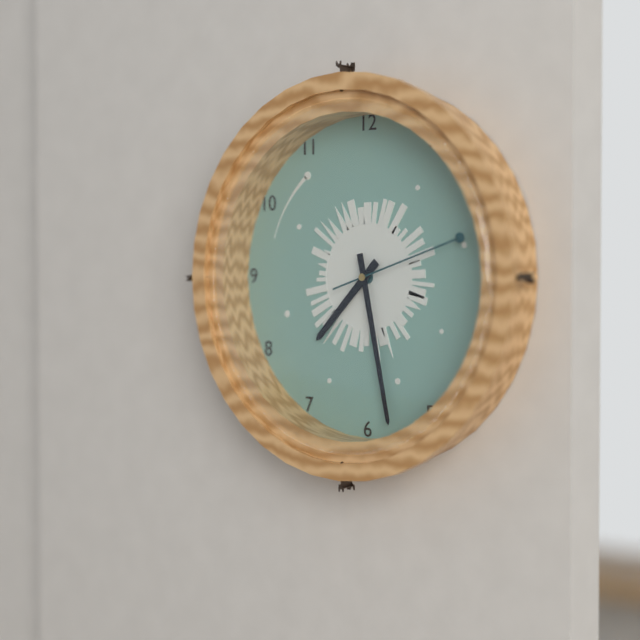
**7:28:12**
